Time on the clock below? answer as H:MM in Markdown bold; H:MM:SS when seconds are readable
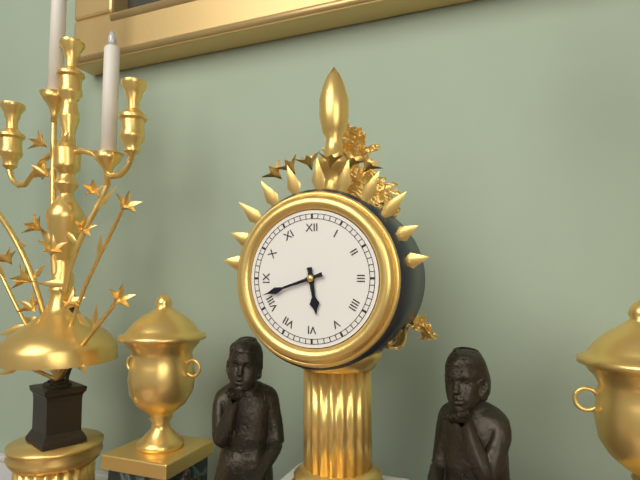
**5:42**
